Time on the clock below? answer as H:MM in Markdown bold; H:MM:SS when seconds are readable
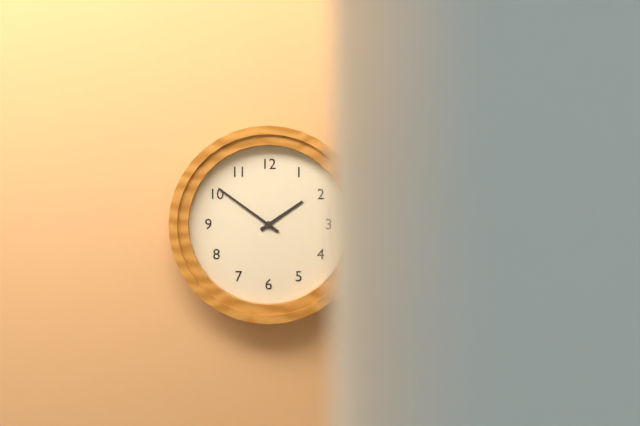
**1:51**
